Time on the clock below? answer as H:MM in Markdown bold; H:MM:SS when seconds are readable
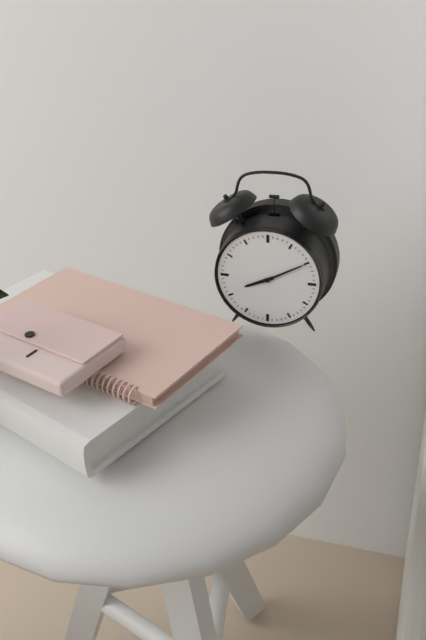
**8:10**
